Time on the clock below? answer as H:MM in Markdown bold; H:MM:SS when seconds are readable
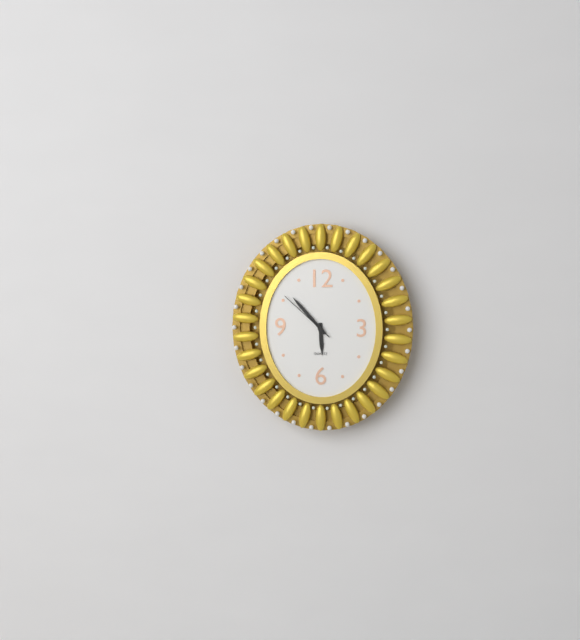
**5:53:52**
